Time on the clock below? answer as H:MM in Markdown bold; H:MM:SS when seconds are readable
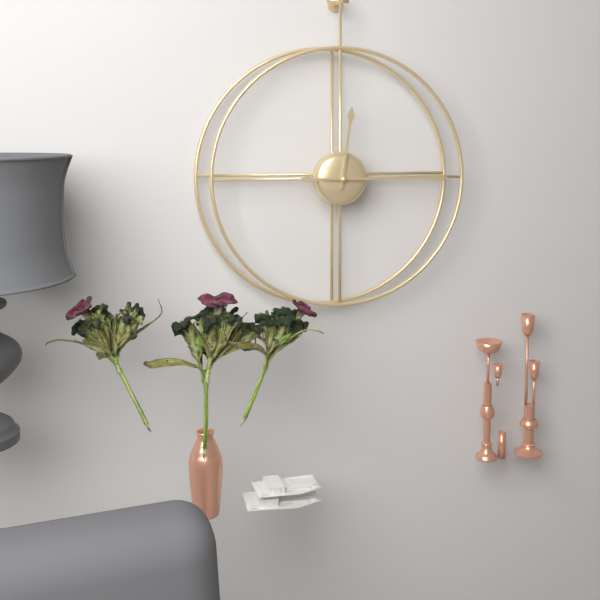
**12:15**
